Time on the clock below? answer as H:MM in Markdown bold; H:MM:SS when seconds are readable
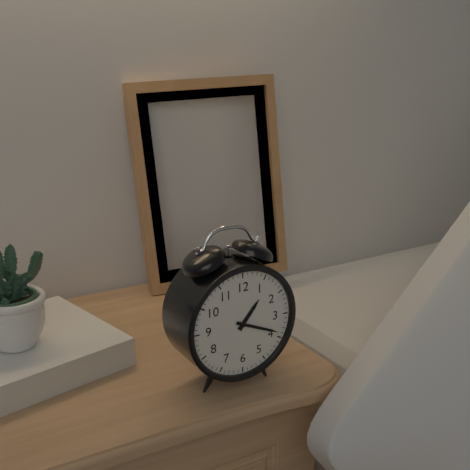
**1:19**
